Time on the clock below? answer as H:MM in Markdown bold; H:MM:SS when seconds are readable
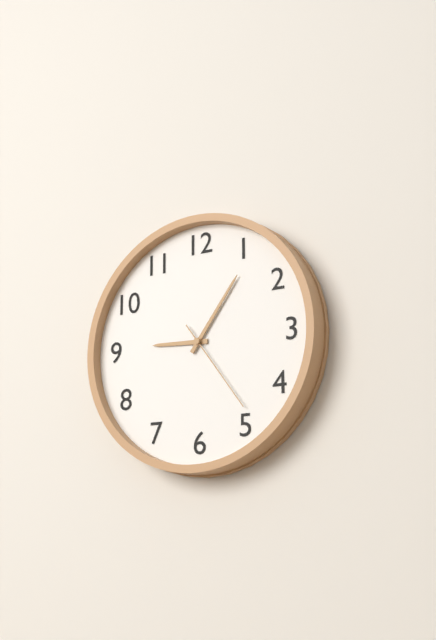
**9:06:24**
